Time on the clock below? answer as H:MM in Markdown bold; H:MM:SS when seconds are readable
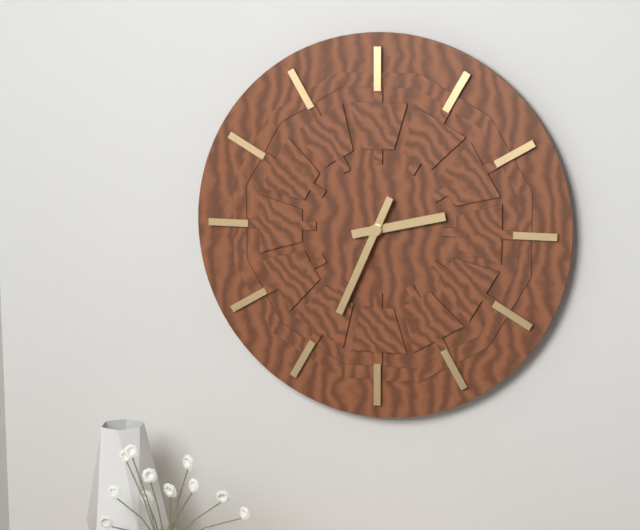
**2:34**
